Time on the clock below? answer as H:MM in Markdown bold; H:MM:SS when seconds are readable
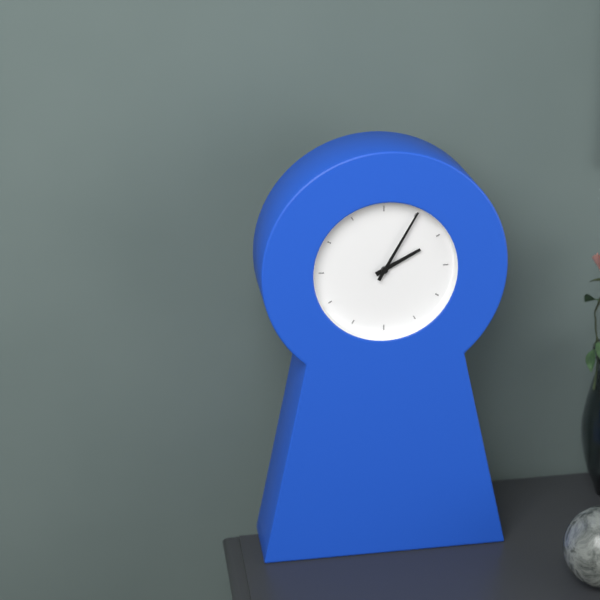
**2:05**
